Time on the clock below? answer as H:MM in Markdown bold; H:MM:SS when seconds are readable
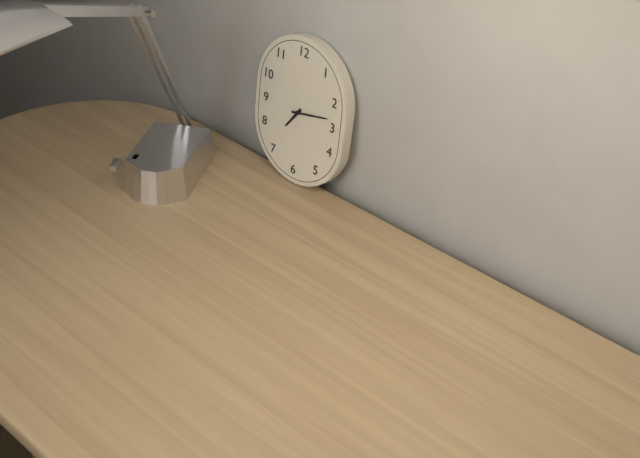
**7:13**
